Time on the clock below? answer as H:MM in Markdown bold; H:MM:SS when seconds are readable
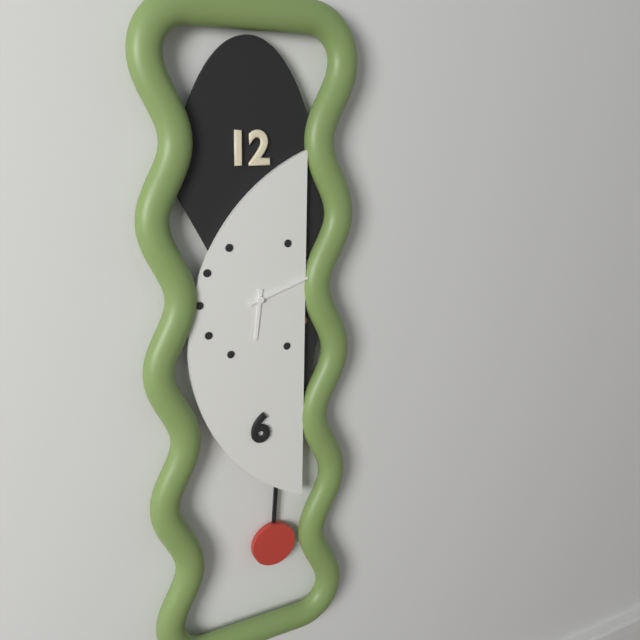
**6:12**
